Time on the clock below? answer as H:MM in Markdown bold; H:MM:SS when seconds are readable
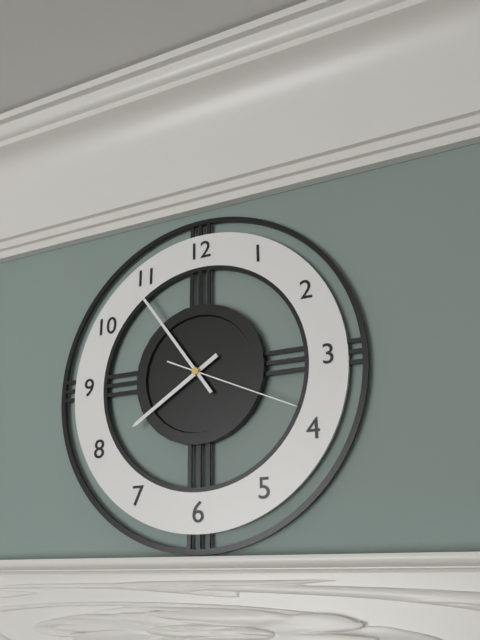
**7:54:19**
